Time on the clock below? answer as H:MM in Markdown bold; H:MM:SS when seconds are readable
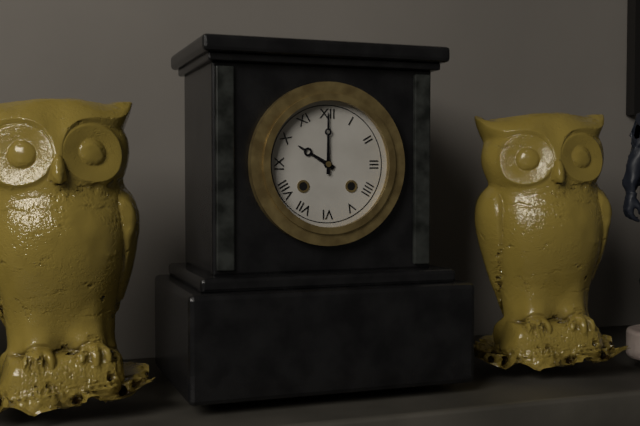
**10:00**
